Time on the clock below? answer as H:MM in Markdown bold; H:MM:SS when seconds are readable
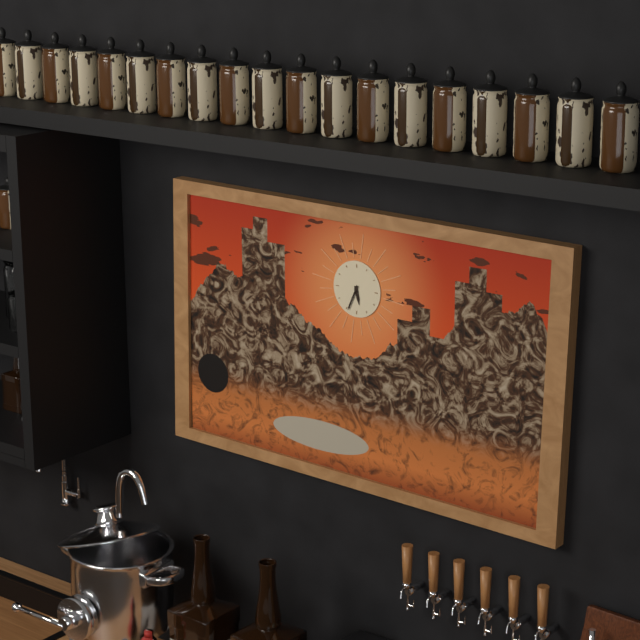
**5:34**
